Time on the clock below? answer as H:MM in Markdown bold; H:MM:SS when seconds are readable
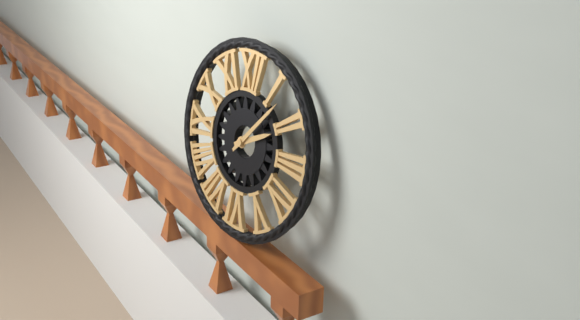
**2:07**
